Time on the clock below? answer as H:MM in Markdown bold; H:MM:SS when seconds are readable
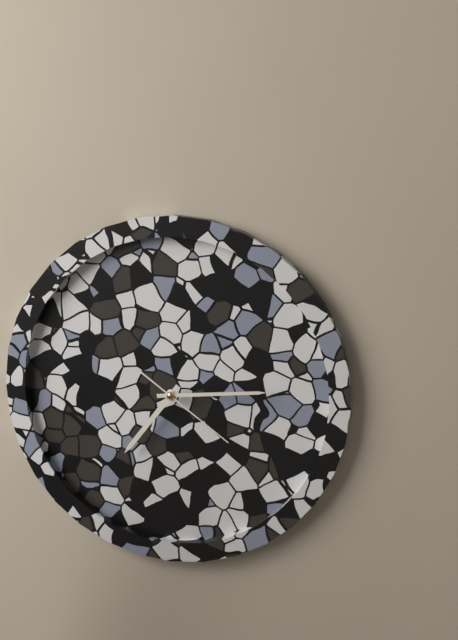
**7:14:21**
